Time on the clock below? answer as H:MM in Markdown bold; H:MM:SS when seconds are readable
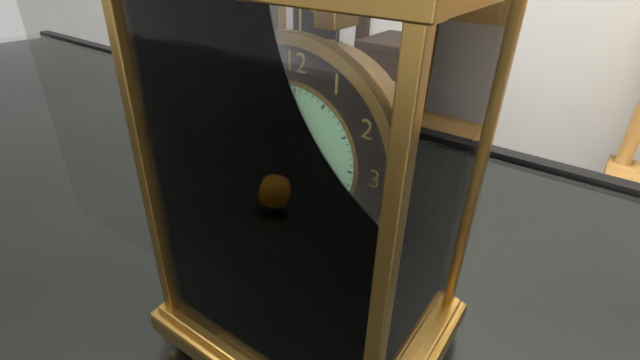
**7:24**
